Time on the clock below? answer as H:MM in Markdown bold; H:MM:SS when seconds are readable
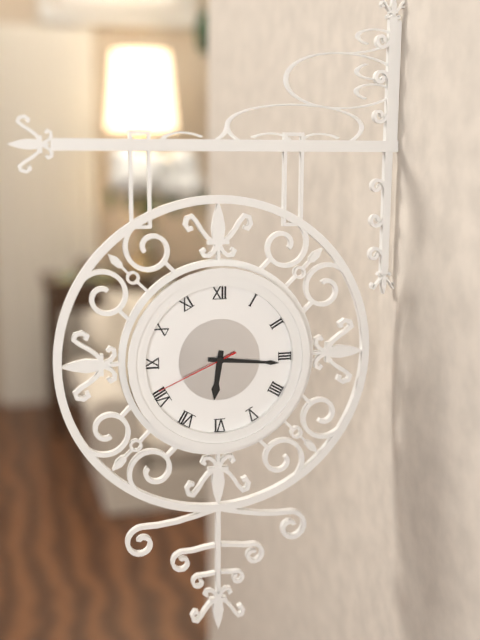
**6:16:41**
